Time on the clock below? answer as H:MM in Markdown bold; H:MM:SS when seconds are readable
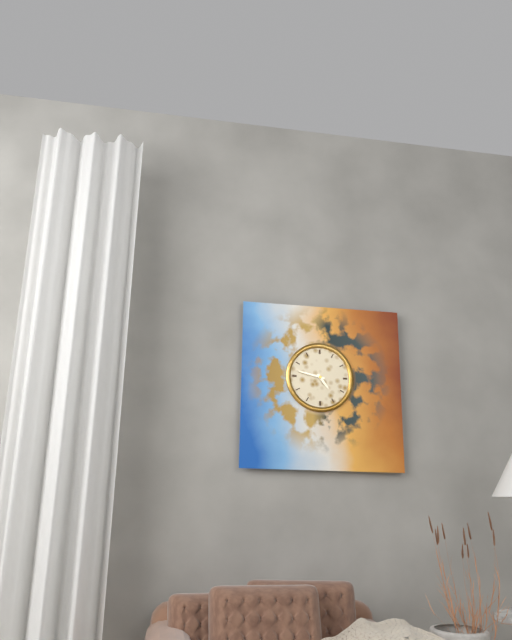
**4:47**
